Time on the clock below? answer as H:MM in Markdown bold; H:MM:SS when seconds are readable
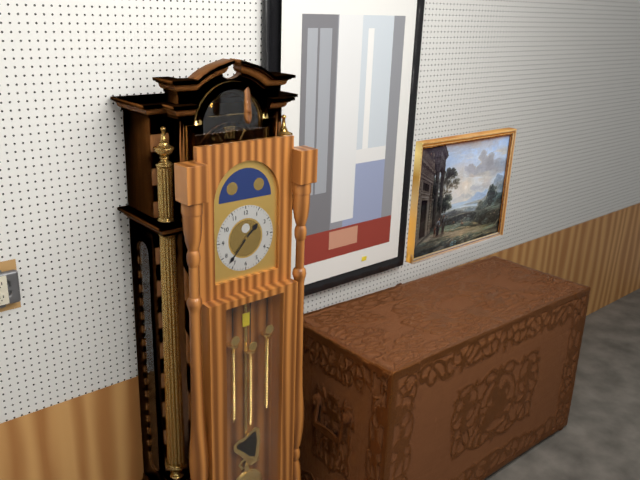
**1:37**
